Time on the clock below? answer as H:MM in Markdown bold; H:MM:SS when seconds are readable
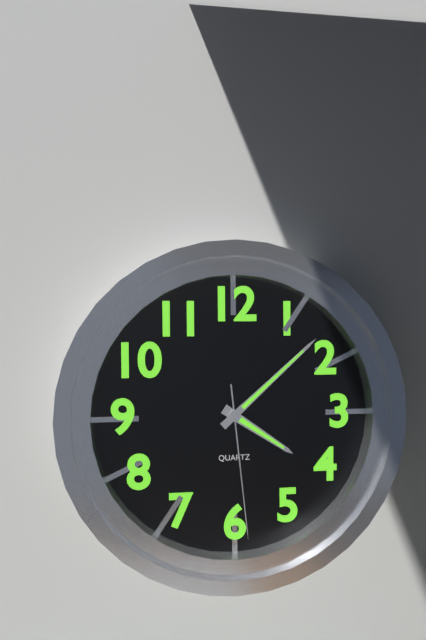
**4:08:29**
